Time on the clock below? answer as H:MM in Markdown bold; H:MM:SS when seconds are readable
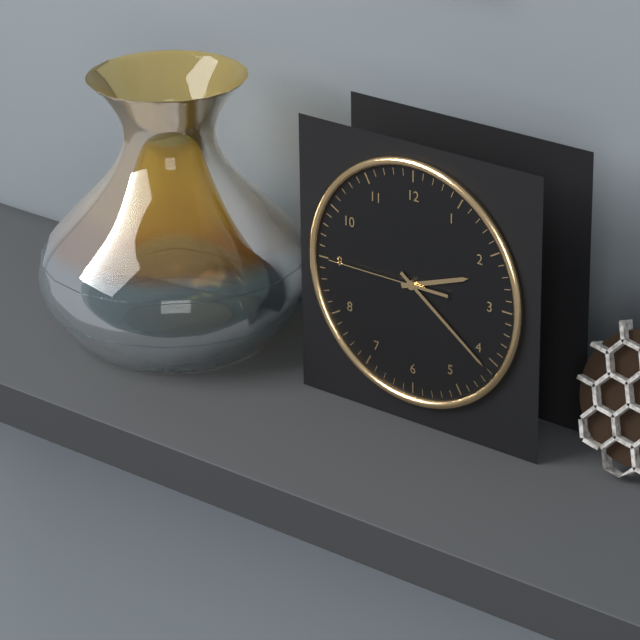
**2:21:45**
